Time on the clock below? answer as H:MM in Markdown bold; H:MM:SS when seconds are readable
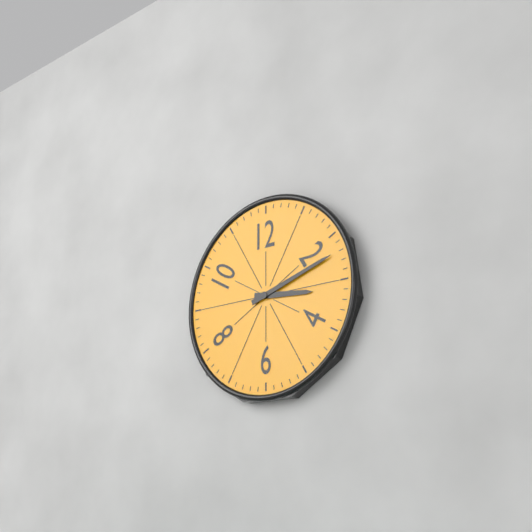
**3:12**
